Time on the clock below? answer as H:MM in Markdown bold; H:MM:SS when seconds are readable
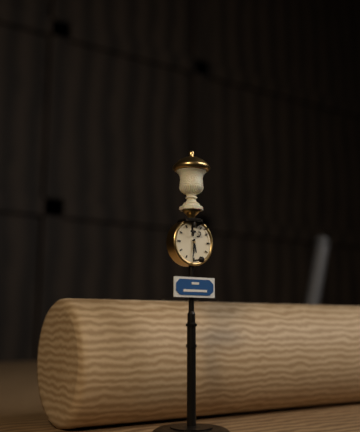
**5:31**
